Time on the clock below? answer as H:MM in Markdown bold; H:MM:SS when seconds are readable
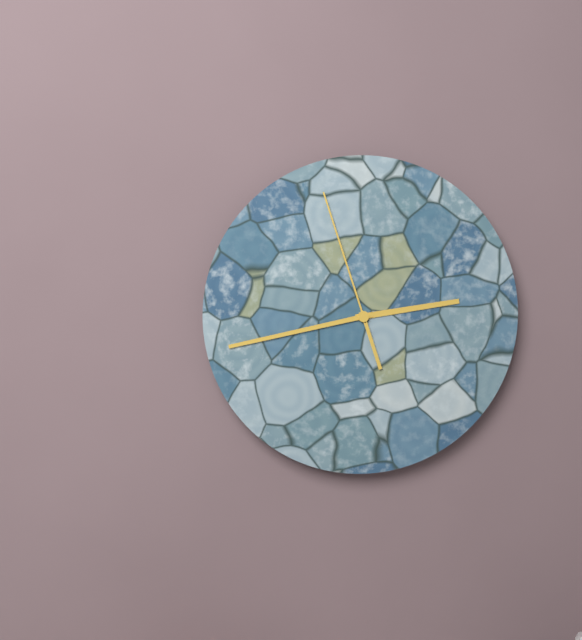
**2:43:57**
